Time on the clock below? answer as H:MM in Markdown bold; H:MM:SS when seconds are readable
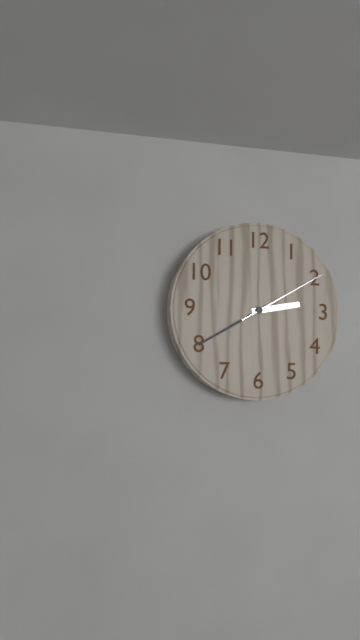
**2:40:10**
